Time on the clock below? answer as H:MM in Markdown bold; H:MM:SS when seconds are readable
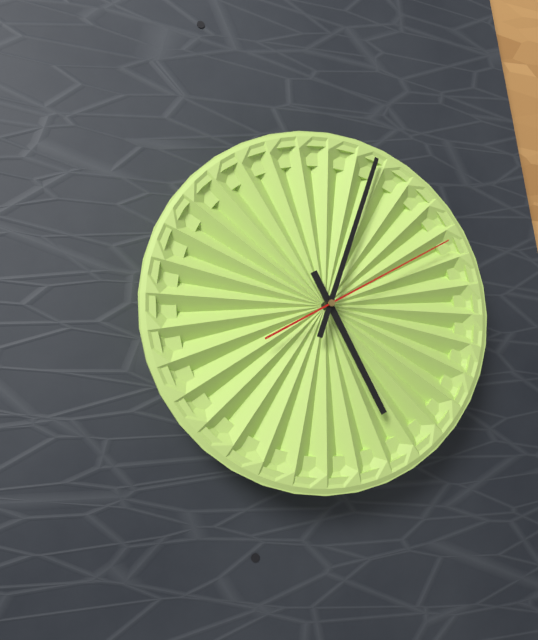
**5:03:10**
